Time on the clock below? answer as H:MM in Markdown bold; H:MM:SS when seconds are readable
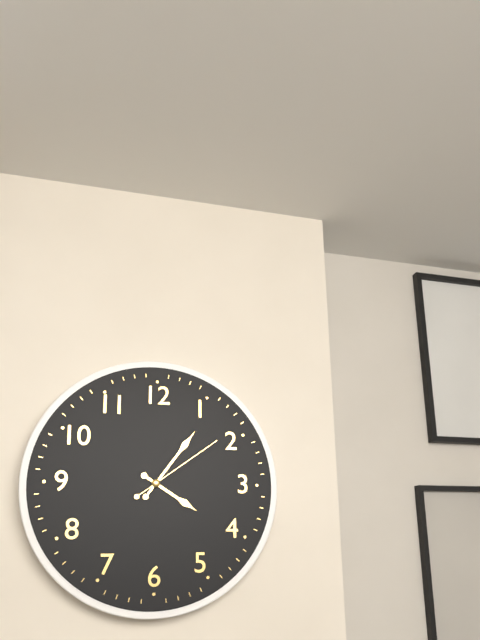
**4:06:09**
